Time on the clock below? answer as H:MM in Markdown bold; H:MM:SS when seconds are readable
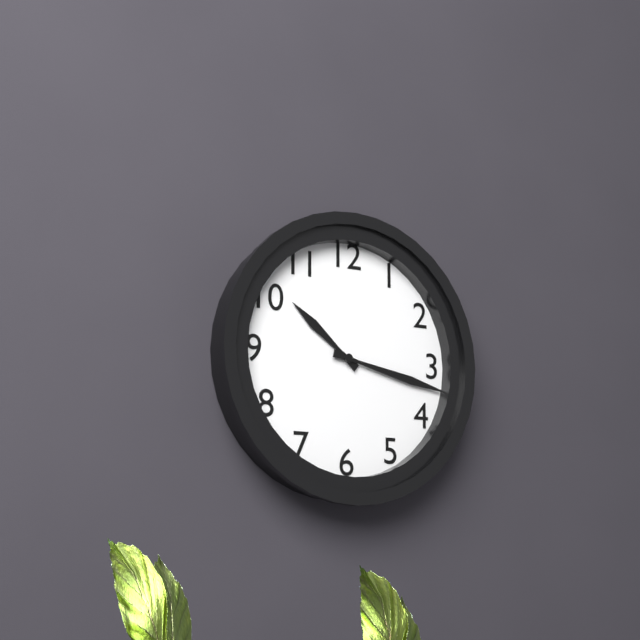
**10:17**
